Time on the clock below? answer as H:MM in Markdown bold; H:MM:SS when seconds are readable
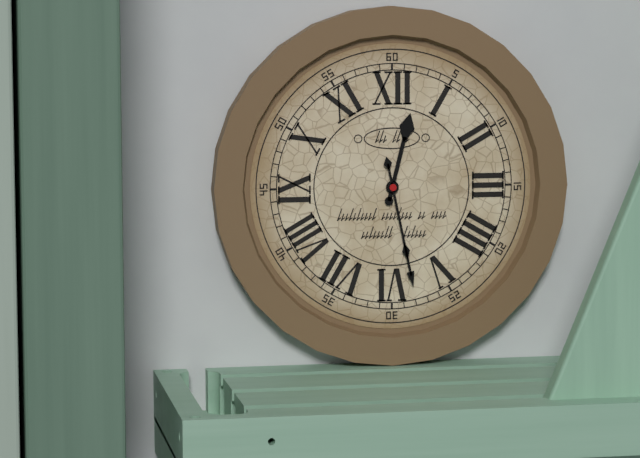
**12:28**
